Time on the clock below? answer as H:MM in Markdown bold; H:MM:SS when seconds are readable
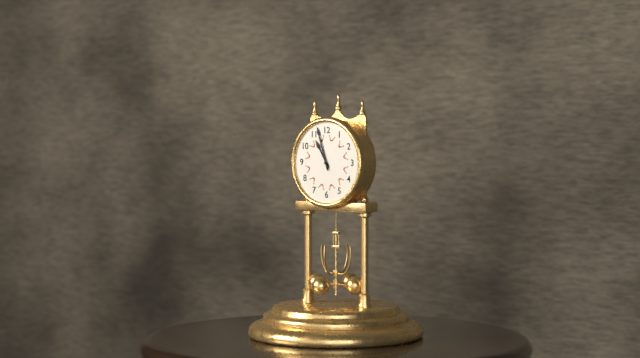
**10:57**
